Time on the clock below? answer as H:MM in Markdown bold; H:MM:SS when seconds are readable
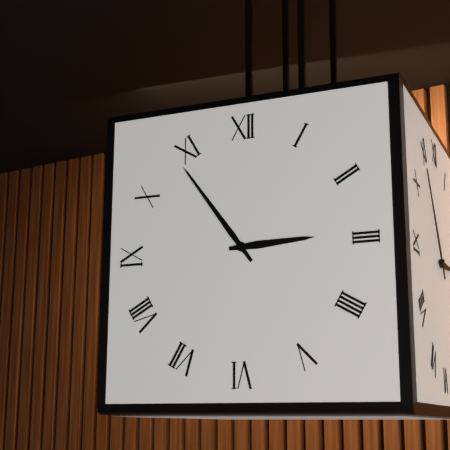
**2:54**
